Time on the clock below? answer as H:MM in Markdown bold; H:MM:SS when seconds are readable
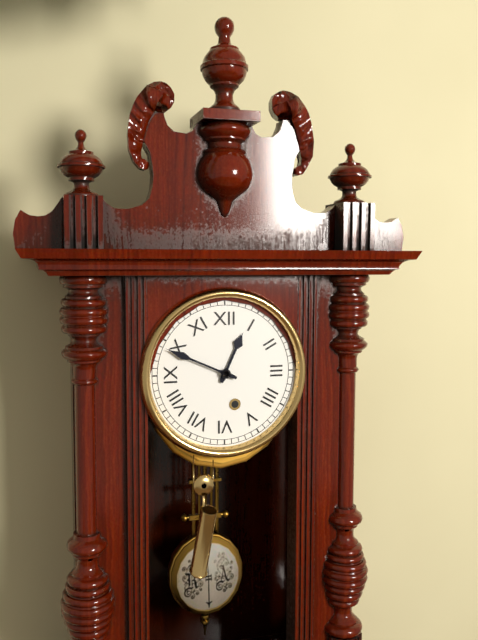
**12:49**
